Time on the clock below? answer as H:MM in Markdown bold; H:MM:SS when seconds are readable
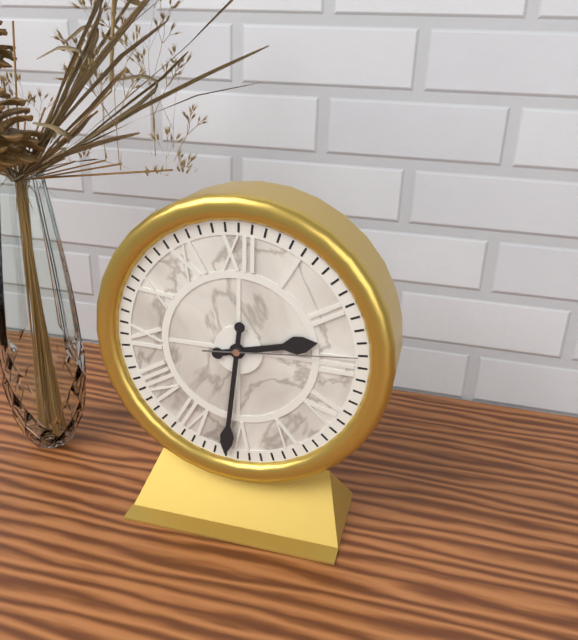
**2:31:14**
